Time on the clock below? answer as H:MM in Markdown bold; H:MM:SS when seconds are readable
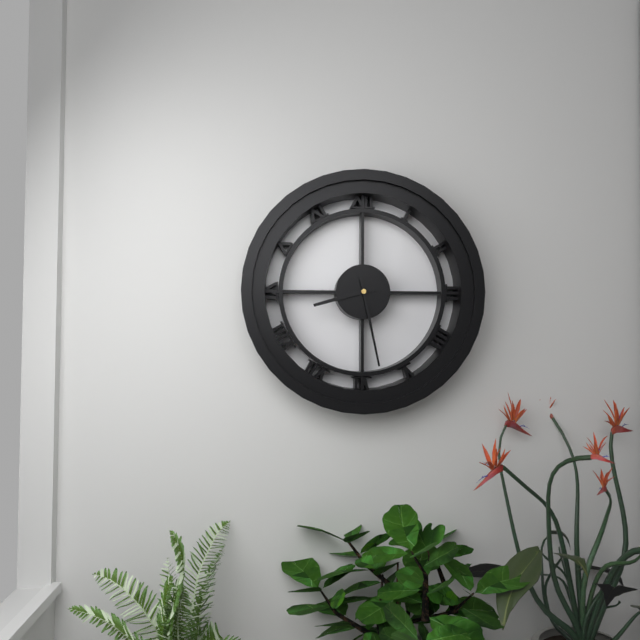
**8:28**
